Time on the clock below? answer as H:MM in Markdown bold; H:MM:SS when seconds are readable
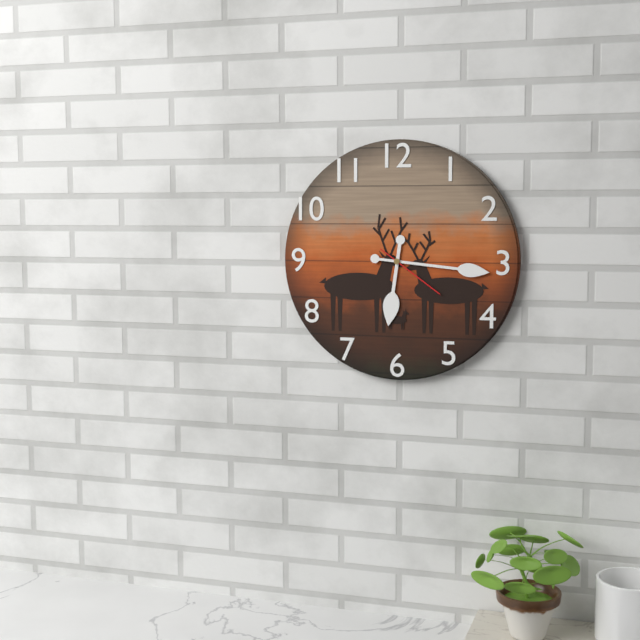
**6:16:21**
